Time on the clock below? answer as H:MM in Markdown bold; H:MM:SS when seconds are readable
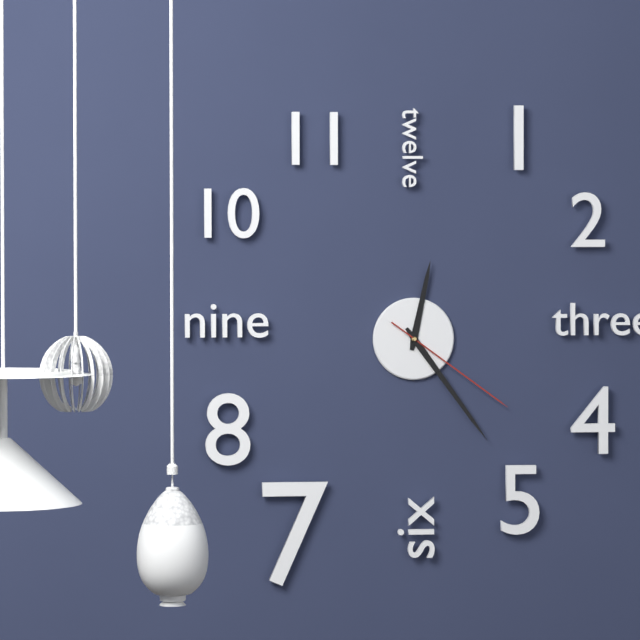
**12:24:21**
